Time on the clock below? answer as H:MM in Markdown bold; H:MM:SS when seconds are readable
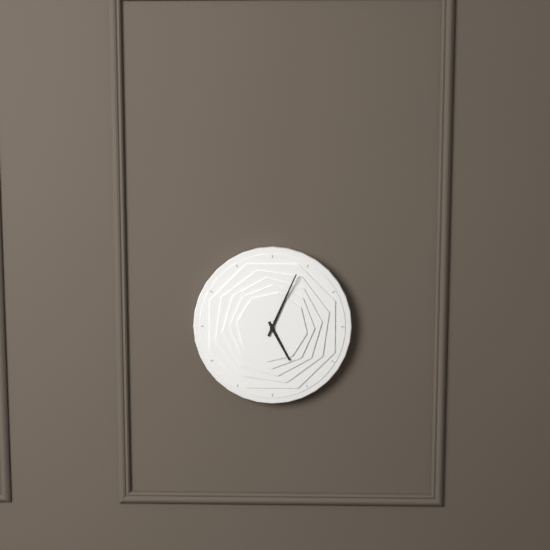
**5:04**
